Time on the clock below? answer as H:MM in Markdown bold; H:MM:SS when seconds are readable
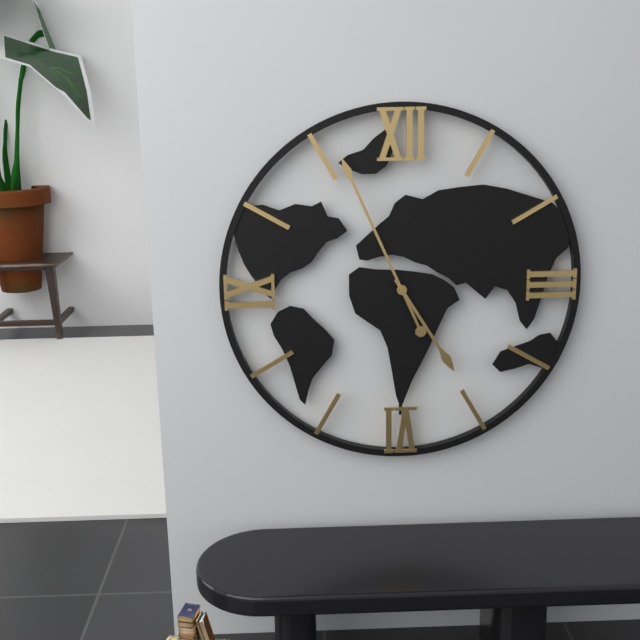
**4:56**
